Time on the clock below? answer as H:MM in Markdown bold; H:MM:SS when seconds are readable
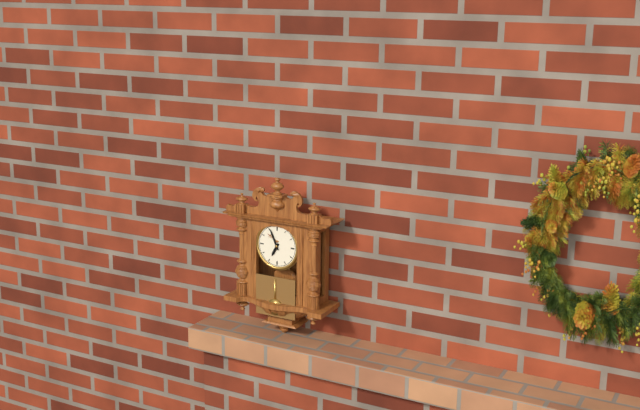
**6:56**
